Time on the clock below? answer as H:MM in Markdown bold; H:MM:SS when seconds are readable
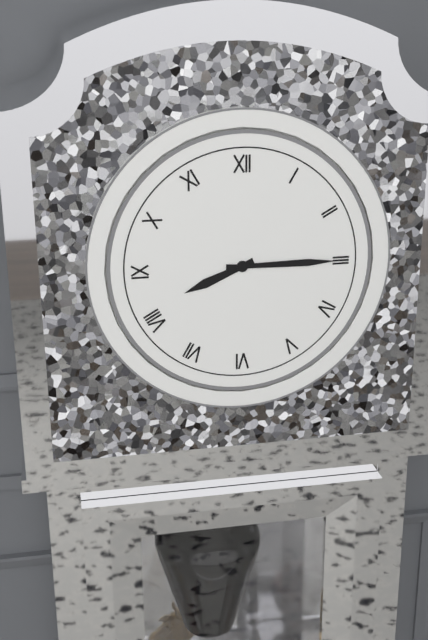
**8:15**
